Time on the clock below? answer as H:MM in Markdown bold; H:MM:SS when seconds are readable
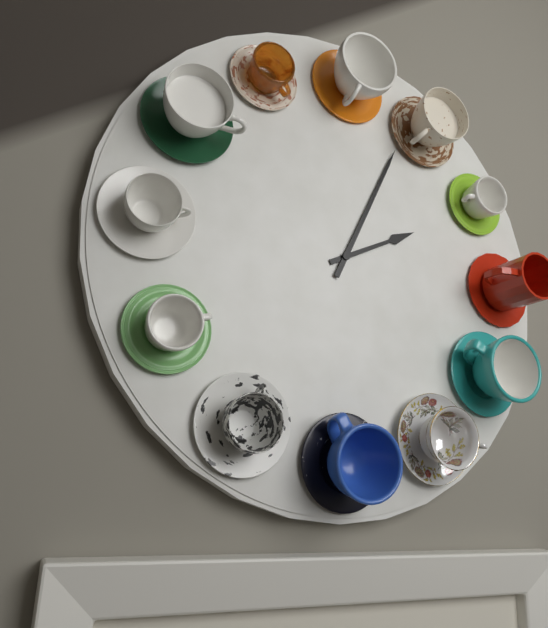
**2:04**
